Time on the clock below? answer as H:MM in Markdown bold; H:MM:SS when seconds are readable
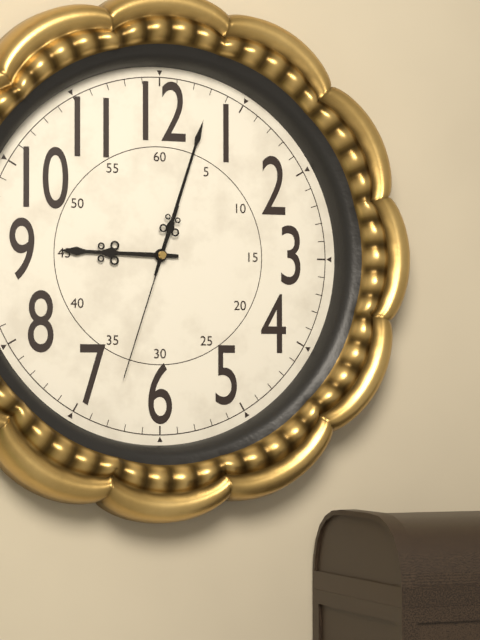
**9:03:33**
